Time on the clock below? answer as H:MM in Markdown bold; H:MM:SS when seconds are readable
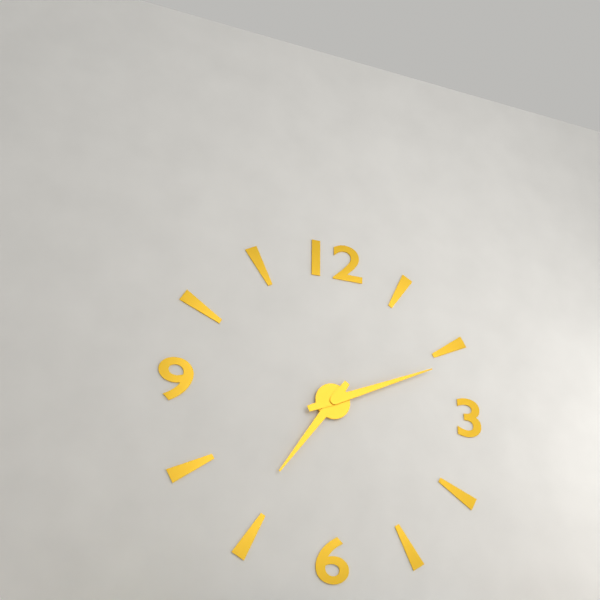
**7:11**
